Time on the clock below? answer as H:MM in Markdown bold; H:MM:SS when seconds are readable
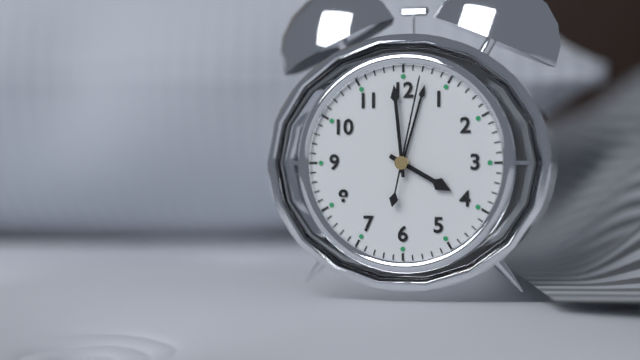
**3:59:02**
